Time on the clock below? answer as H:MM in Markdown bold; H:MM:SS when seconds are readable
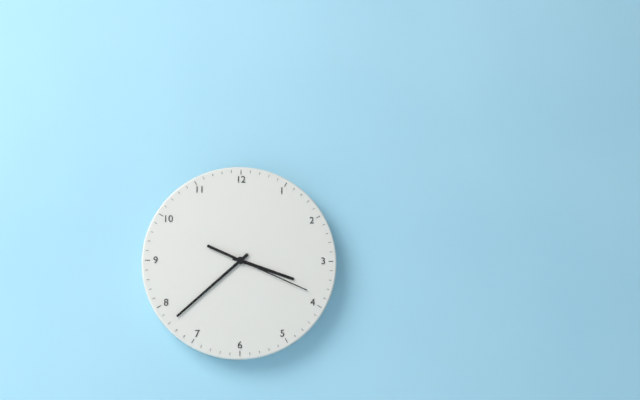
**3:38:19**
